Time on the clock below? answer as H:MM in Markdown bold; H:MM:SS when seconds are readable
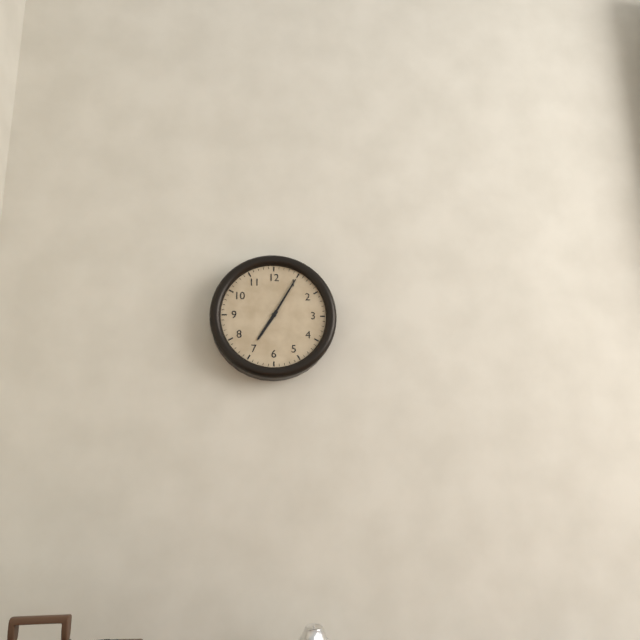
**7:05**
